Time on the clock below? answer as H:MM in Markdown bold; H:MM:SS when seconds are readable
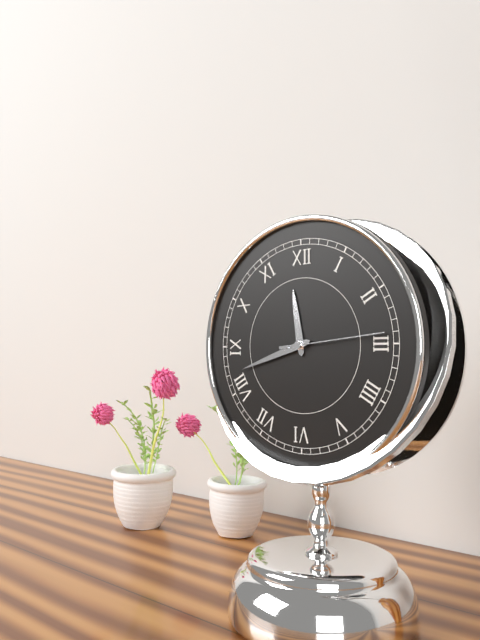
**11:42:14**
